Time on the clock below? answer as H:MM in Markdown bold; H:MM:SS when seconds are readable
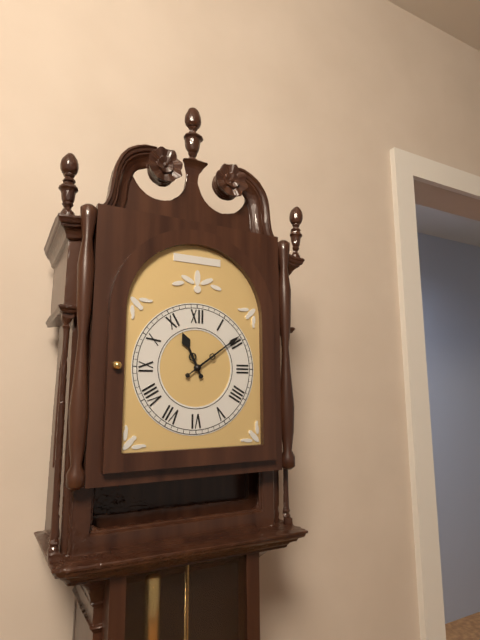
**11:09**
